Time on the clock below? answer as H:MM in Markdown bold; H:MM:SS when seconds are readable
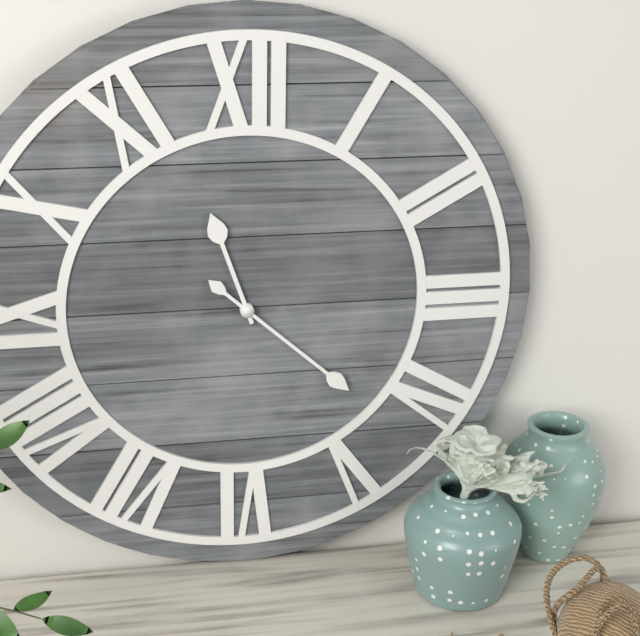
**11:22**
